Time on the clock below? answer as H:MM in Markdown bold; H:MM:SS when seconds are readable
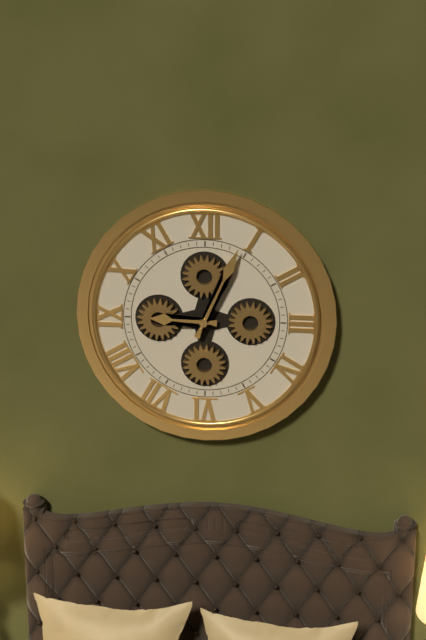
**9:04**
